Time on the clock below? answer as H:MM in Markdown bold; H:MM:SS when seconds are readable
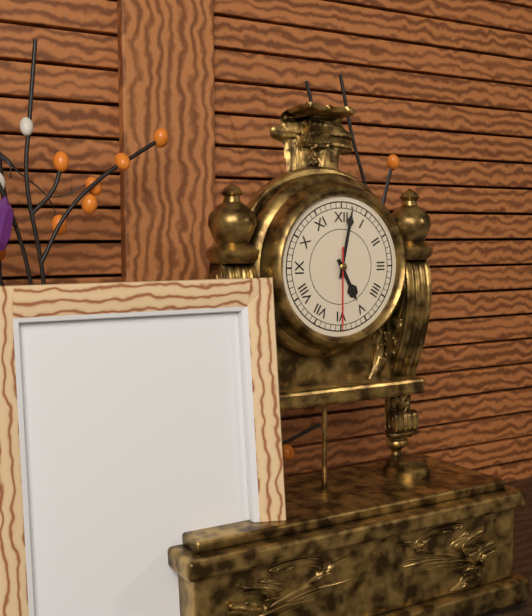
**5:02:30**
